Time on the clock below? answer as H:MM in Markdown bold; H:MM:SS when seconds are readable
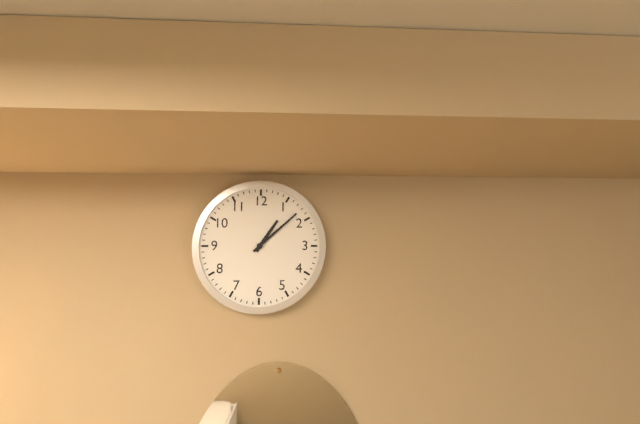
**1:08**
